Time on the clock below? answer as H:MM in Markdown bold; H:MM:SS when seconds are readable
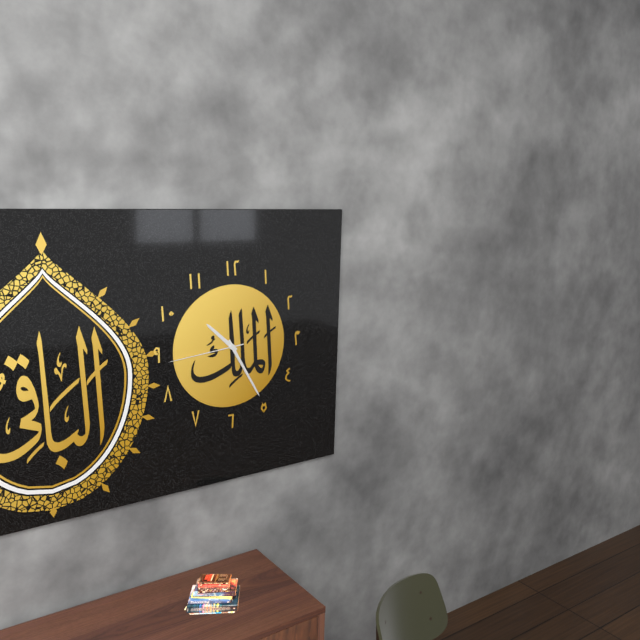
**10:25:44**
